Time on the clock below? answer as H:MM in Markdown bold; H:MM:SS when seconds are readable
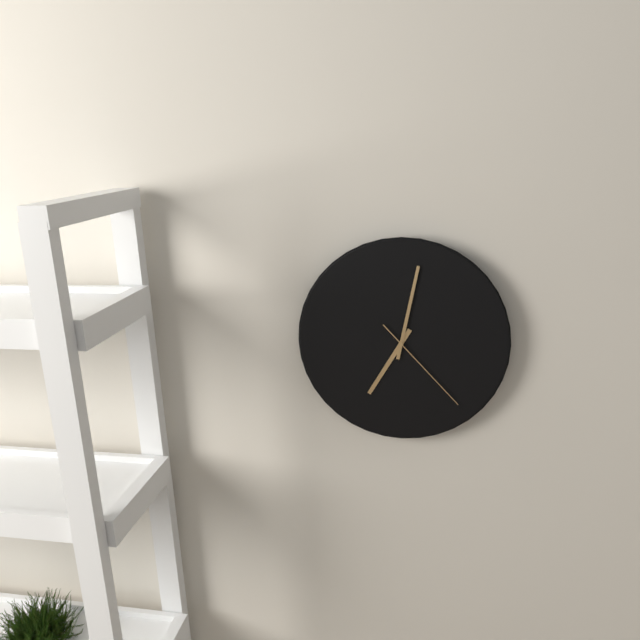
**7:02:23**
